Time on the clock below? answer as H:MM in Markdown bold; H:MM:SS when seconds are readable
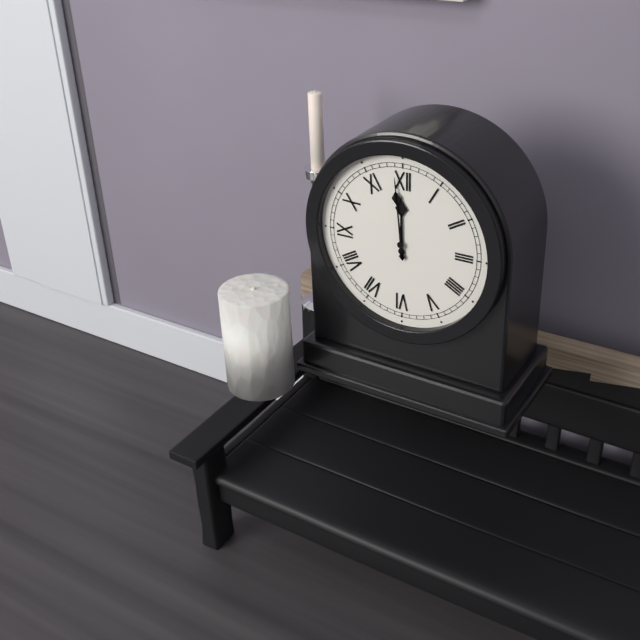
**11:59**
